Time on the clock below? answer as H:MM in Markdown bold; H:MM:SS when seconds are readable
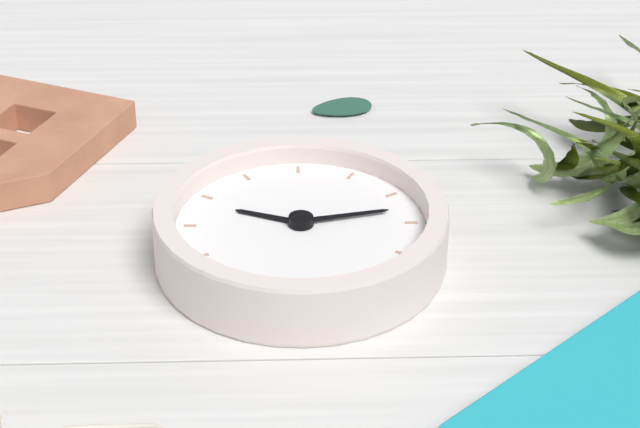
**3:43**
